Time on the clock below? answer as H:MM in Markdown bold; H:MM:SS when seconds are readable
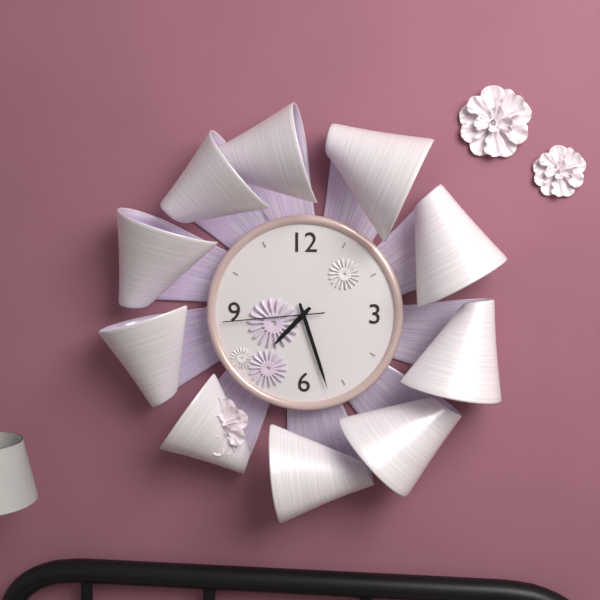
**7:27:44**
